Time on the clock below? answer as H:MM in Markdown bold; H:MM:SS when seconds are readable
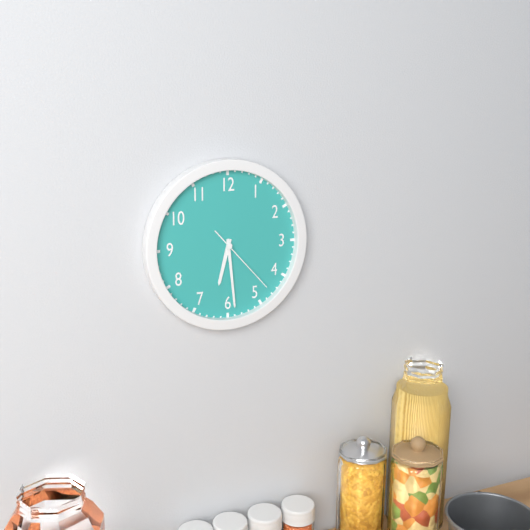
**6:29:23**
